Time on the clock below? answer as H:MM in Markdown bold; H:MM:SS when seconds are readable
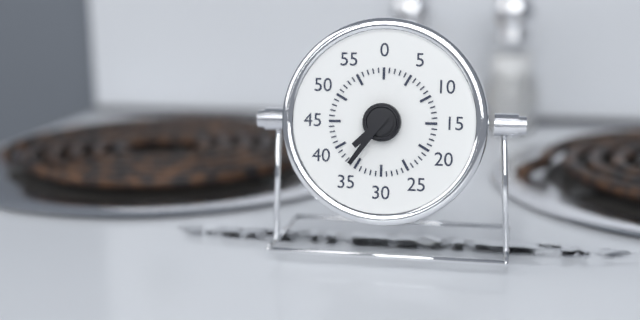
**7:36**
